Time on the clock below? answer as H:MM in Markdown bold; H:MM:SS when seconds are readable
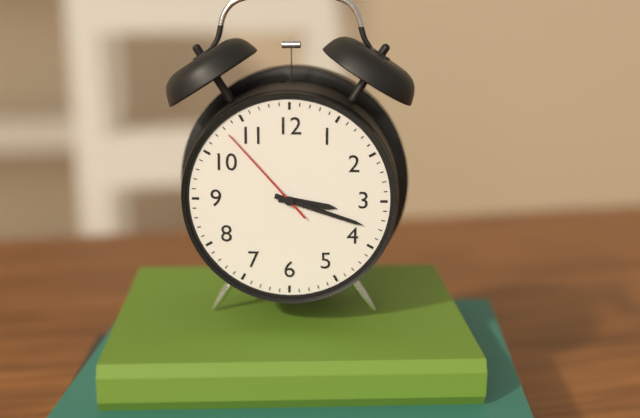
**3:18:53**
